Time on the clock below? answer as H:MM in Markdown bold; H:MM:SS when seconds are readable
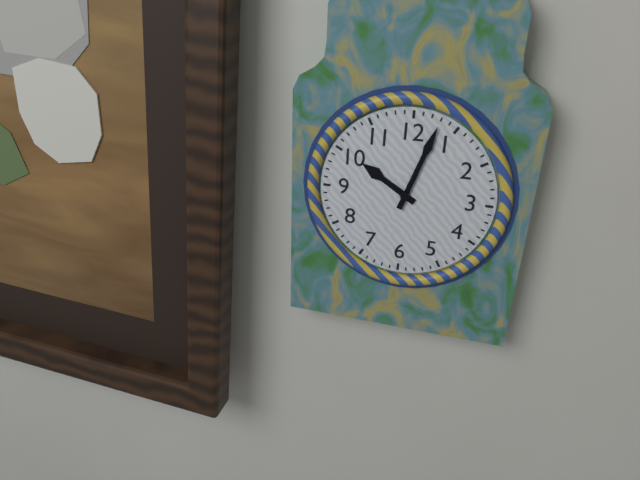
**10:03**
